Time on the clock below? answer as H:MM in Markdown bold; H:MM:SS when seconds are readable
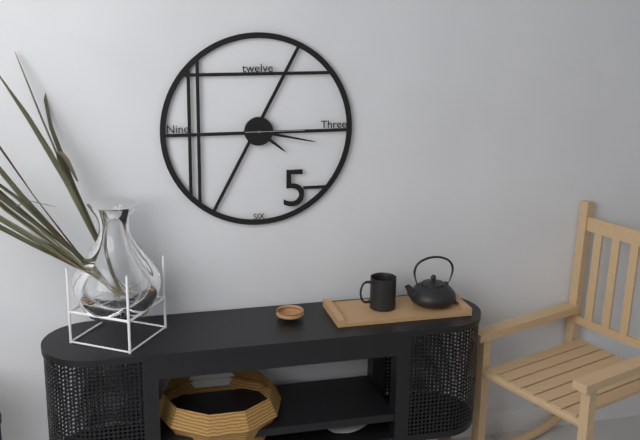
**4:17:15**
